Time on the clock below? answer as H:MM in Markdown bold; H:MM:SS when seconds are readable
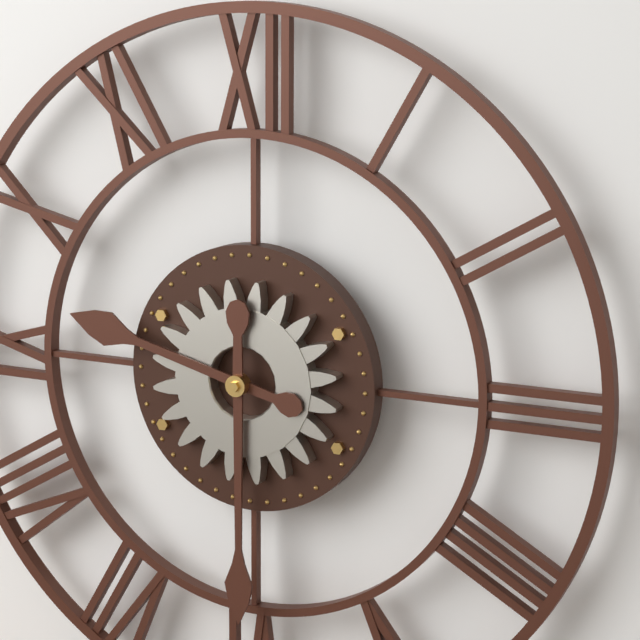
**9:30**
